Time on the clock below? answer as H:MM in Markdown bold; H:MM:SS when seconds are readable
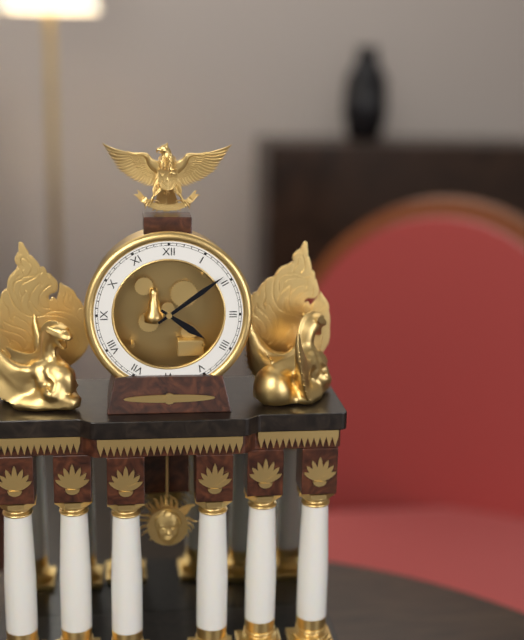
**4:09**
